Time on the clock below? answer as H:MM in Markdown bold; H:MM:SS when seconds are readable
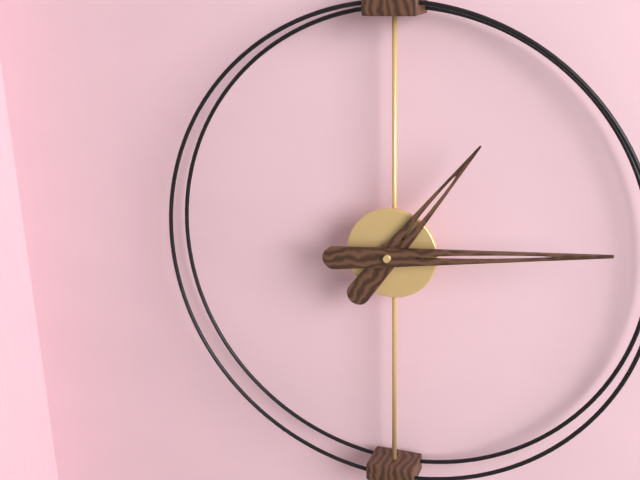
**1:14**
